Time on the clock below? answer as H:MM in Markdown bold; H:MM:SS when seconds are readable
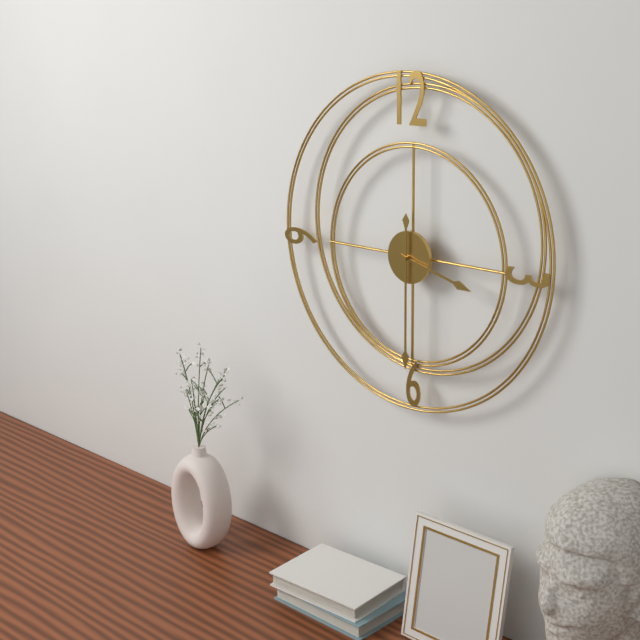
**3:30**
